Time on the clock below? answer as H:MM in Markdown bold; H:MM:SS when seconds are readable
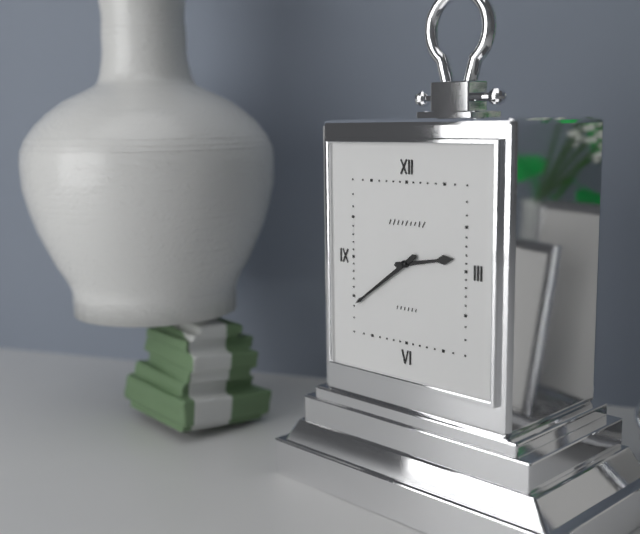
**2:39**
